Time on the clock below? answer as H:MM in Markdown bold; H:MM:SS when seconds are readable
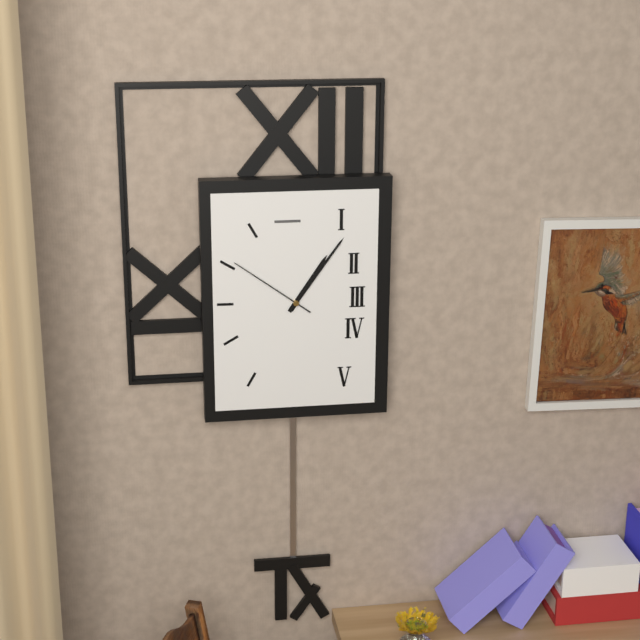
**1:06:51**
